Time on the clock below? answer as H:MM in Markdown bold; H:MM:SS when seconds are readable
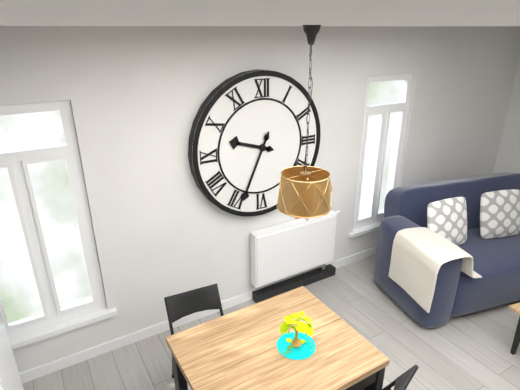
**9:34**
